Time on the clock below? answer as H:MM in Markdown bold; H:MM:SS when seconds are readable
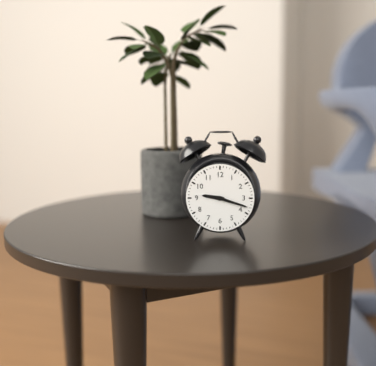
**9:18**
